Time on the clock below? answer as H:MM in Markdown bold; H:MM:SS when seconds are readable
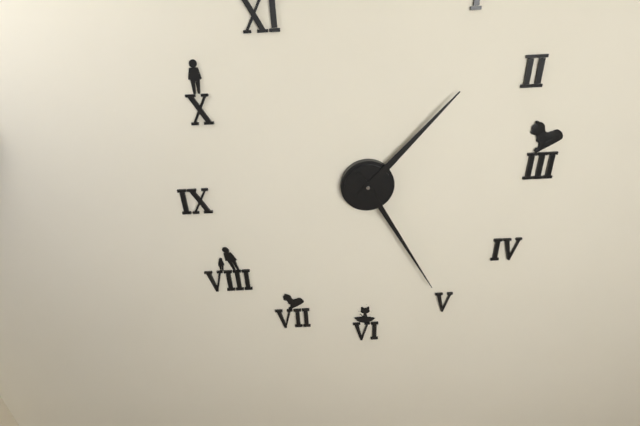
**1:25**
